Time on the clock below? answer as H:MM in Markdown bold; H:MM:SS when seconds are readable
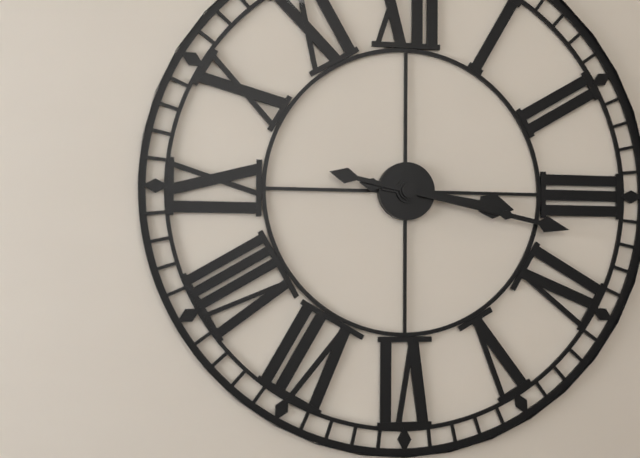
**3:17**
